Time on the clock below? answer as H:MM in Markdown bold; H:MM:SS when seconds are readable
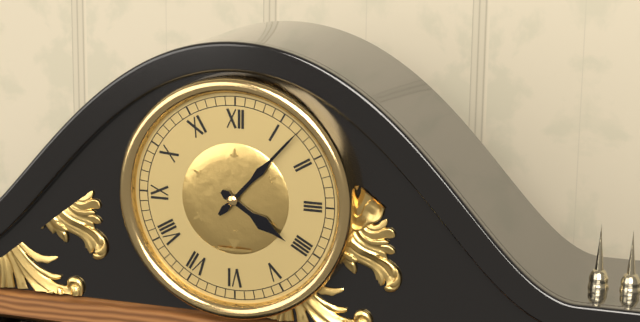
**4:07**
